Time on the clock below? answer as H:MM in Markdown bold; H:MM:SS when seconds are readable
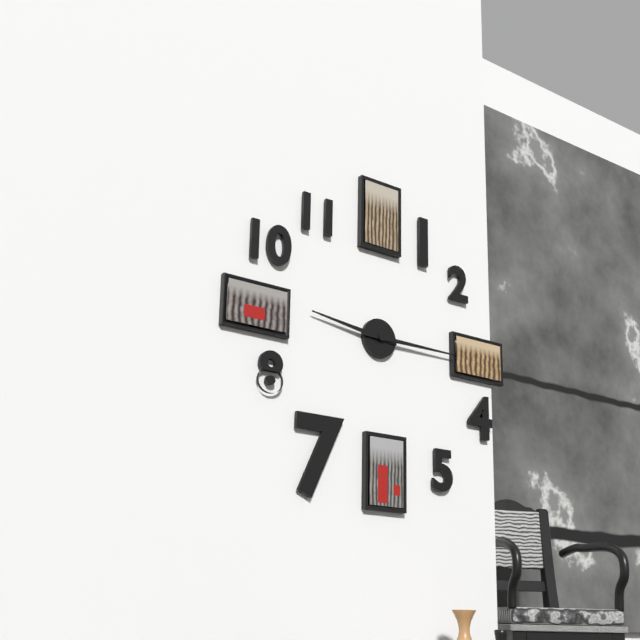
**9:15**
